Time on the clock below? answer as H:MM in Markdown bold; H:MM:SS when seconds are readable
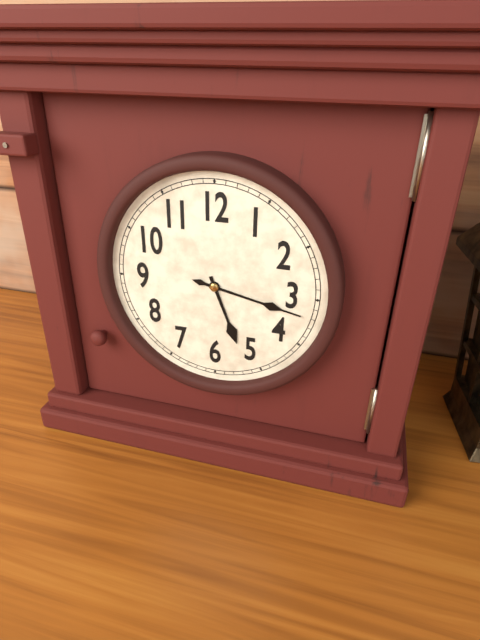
**5:17**
